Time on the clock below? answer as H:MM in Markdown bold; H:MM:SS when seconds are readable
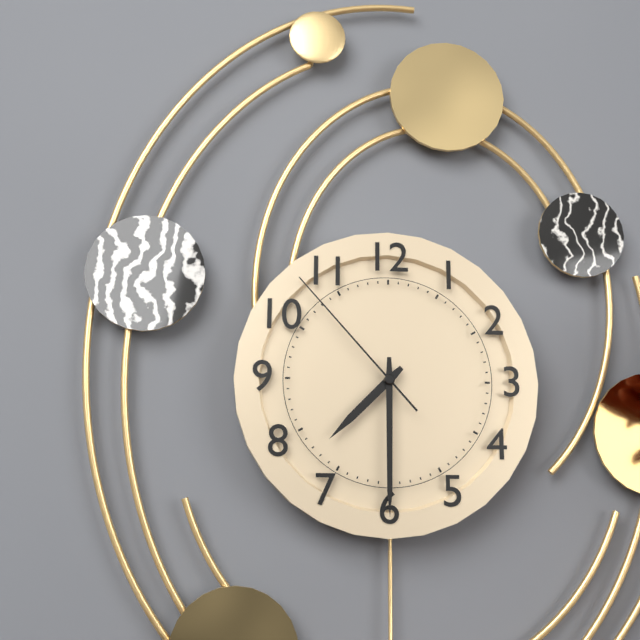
**7:30:53**
